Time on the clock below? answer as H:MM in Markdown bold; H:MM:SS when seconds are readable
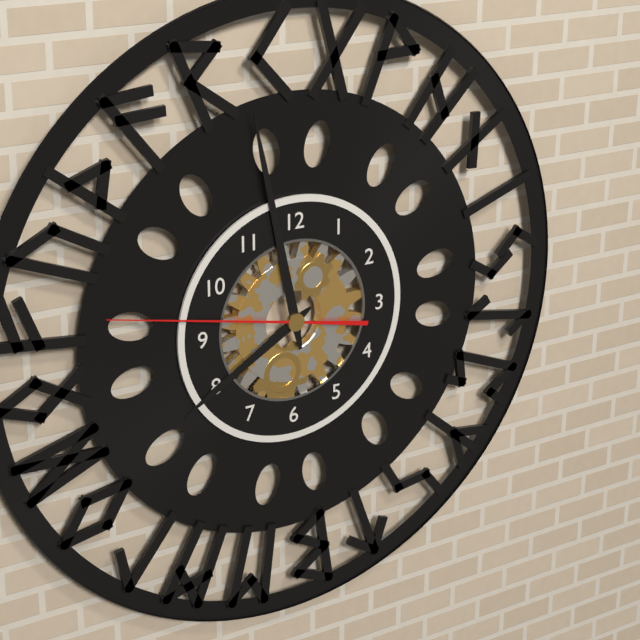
**7:58:47**
